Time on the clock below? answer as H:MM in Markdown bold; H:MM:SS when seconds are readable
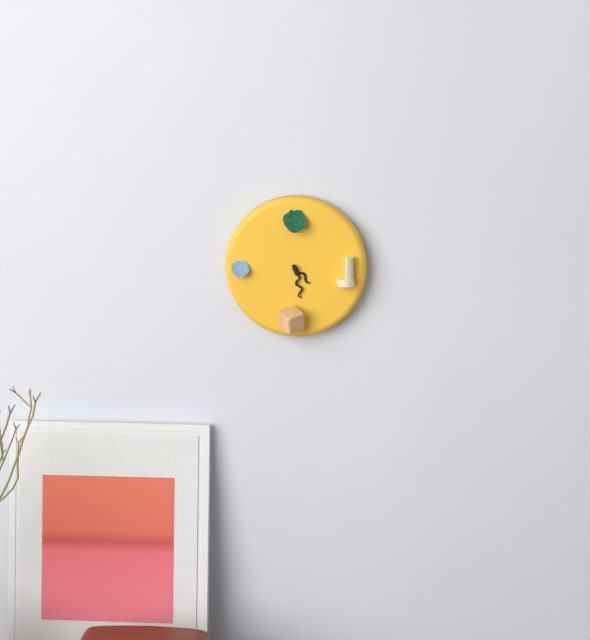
**4:28**
